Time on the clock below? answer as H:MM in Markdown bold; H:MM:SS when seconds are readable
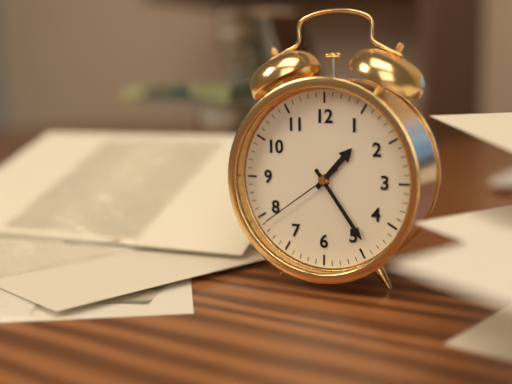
**1:24:39**
